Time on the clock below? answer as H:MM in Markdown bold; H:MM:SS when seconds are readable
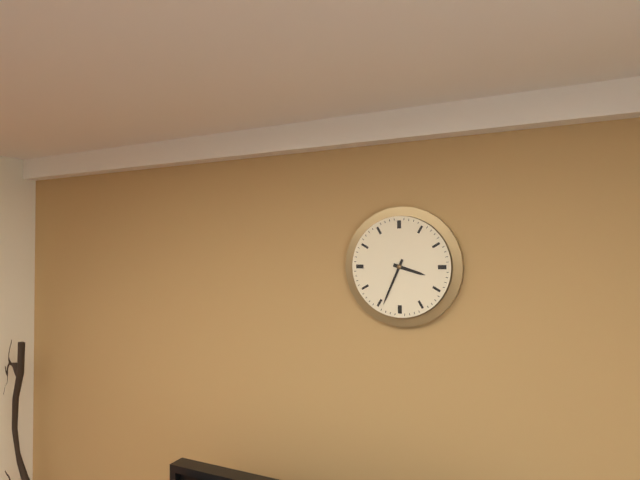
**3:34**
